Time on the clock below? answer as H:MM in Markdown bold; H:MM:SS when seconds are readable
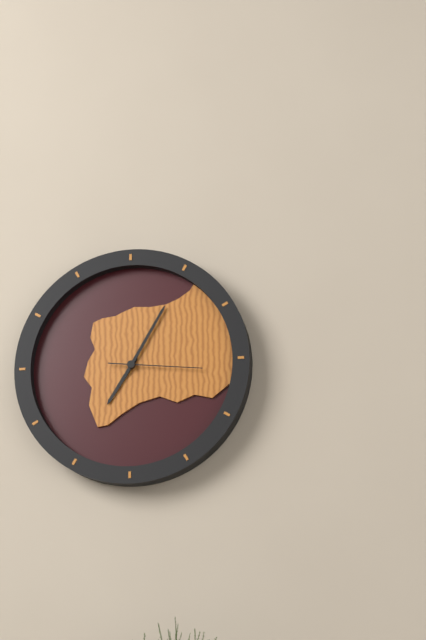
**7:05:16**
